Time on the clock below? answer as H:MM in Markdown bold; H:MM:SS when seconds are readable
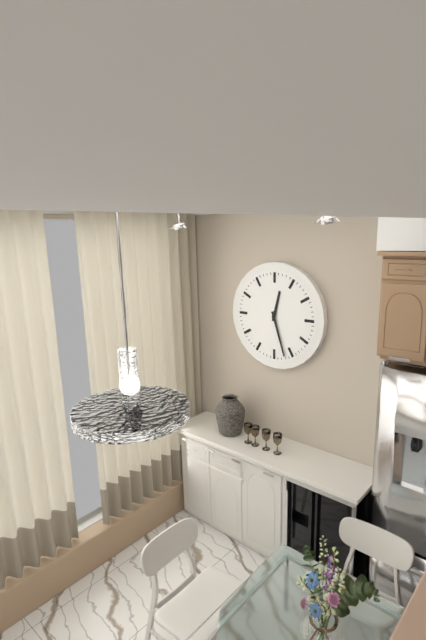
**12:27**
